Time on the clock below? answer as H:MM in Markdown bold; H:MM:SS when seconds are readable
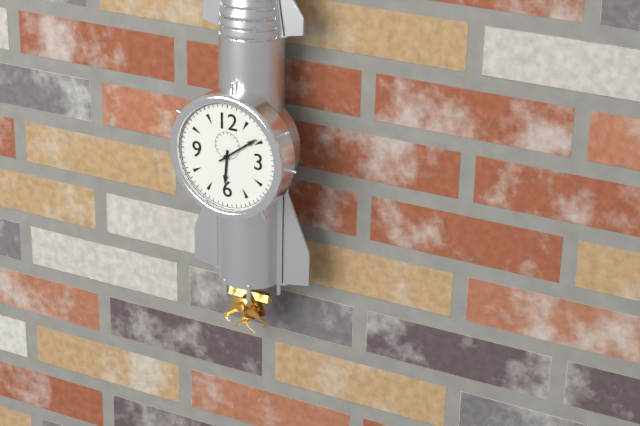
**6:09**
